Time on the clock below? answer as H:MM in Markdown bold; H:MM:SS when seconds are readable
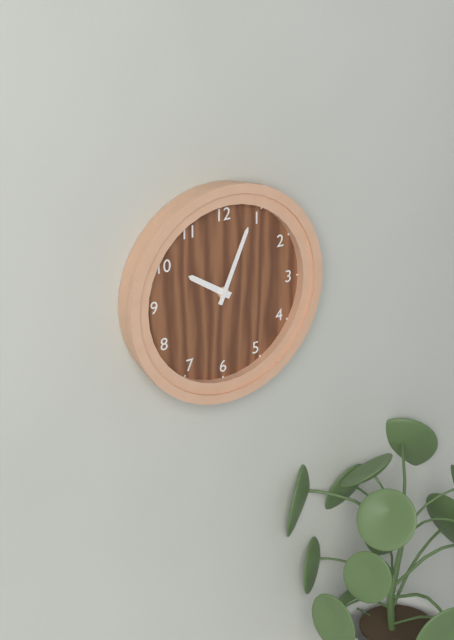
**10:04**
